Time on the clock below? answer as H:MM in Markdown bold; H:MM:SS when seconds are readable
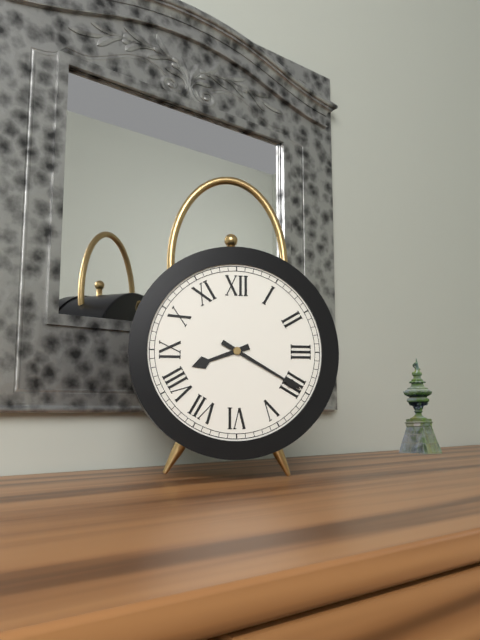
**8:20**
